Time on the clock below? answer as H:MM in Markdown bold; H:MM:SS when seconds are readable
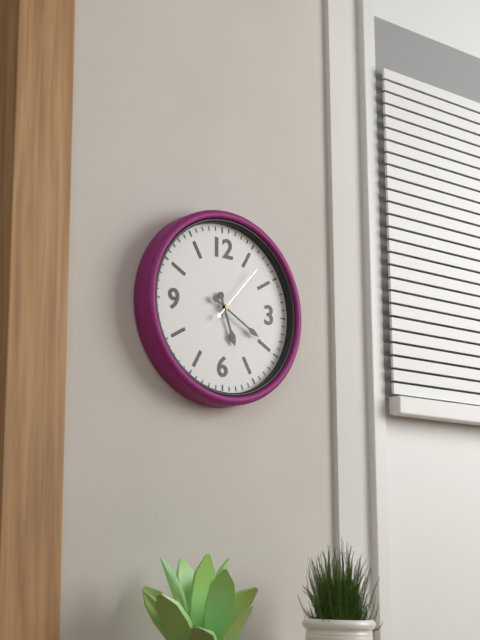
**5:20:07**
